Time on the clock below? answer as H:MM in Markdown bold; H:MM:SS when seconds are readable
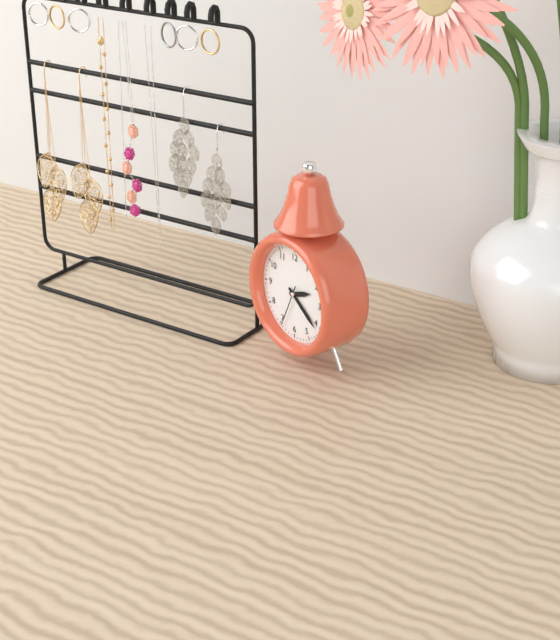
**2:21**
